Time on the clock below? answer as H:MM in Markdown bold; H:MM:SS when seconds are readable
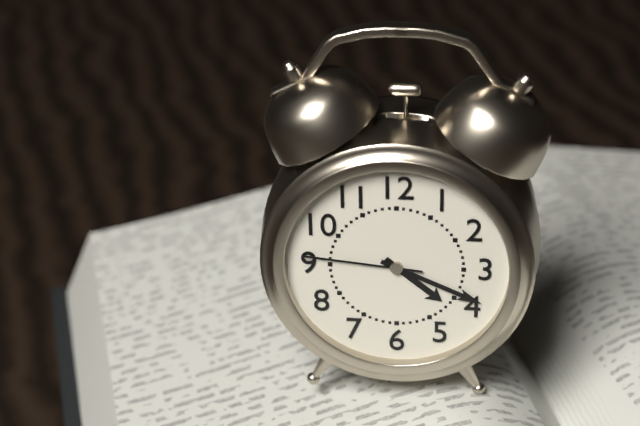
**4:19:46**
